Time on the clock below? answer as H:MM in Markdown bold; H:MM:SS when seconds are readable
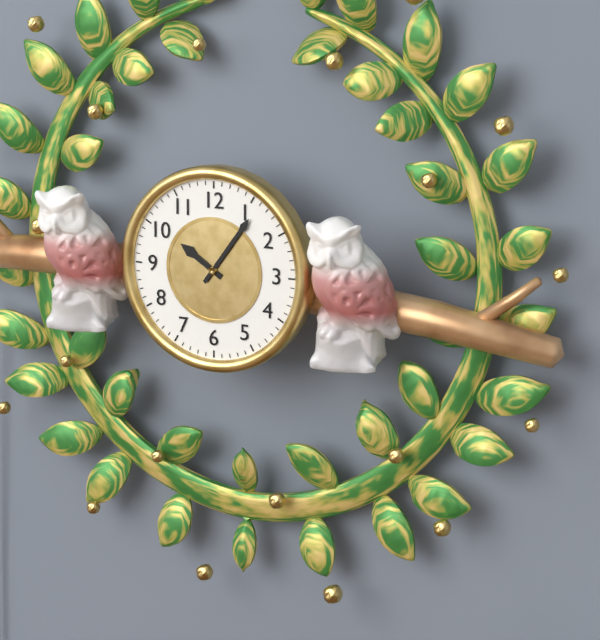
**10:06**
